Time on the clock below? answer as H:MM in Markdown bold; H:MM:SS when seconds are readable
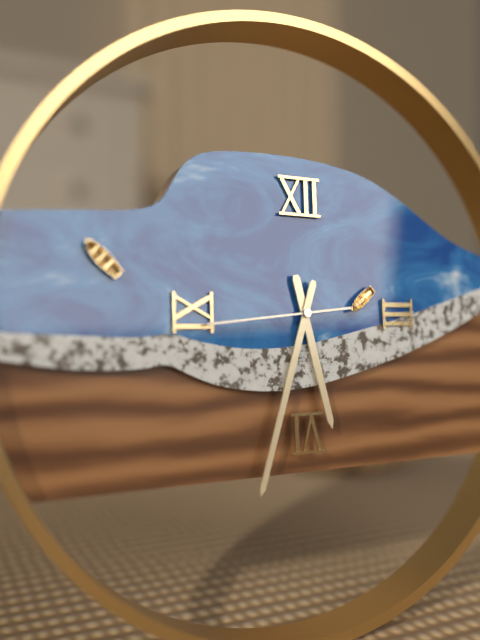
**5:33:44**
